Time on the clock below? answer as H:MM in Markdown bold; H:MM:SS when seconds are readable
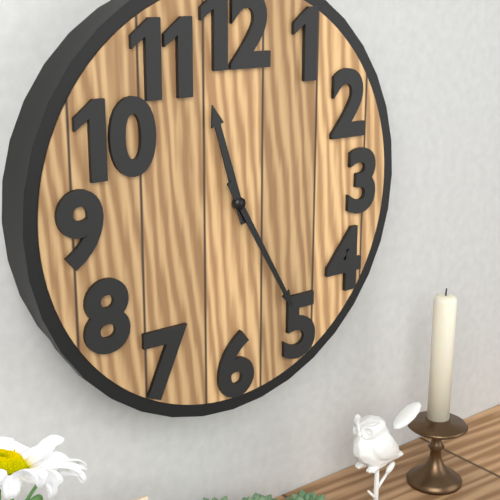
**11:25**
